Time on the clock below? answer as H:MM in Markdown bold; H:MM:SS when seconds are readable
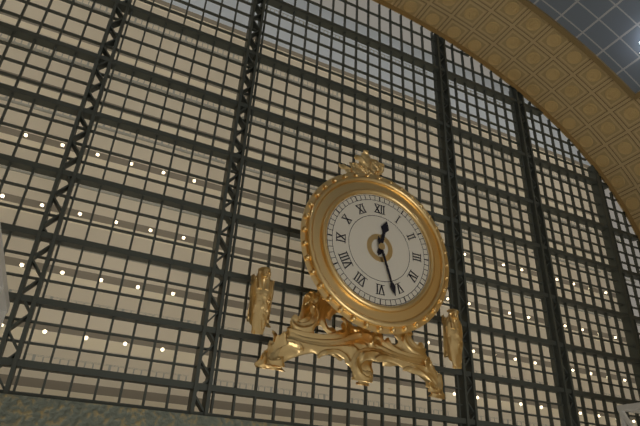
**12:27**
